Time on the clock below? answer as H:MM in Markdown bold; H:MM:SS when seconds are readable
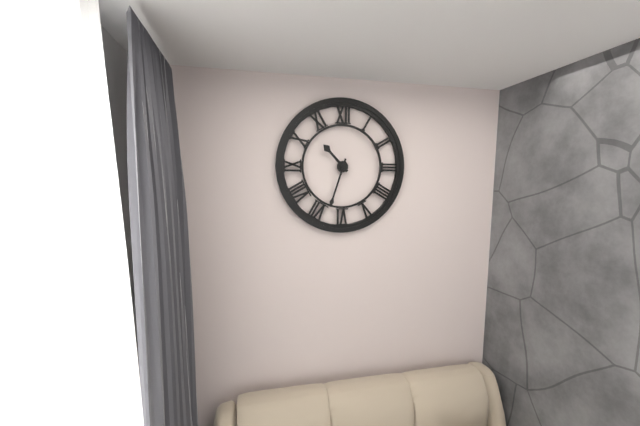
**10:33**
